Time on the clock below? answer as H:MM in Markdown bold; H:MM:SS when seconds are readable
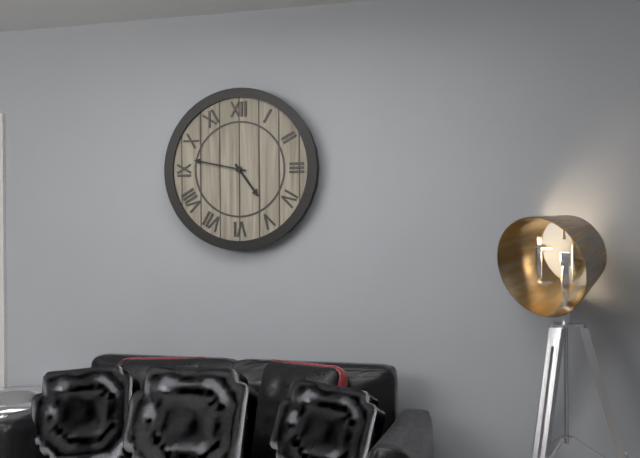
**4:47**
